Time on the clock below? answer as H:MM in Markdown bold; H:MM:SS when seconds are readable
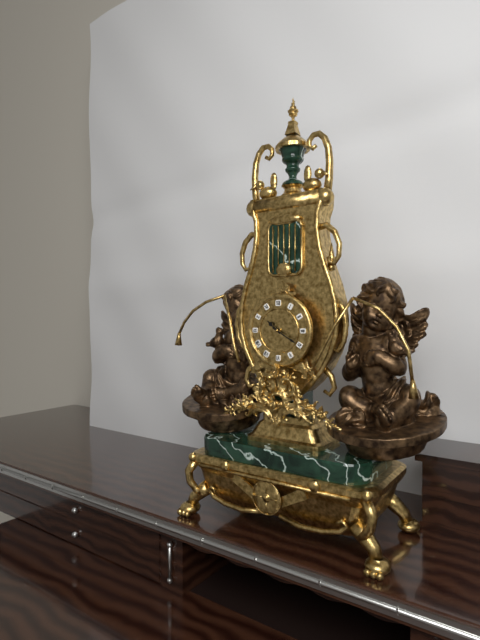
**10:20**
